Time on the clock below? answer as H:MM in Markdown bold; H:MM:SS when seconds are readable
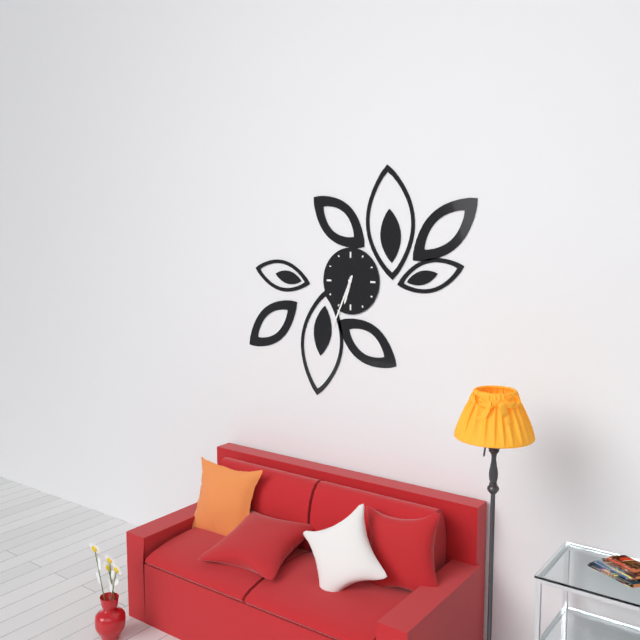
**6:34**
